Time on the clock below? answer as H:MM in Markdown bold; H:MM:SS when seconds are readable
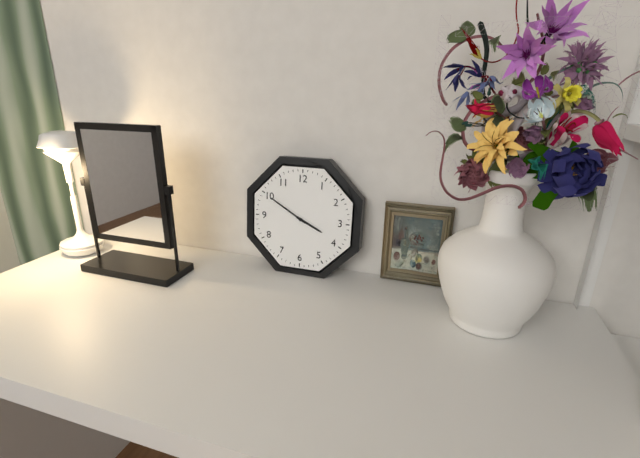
**3:50**
